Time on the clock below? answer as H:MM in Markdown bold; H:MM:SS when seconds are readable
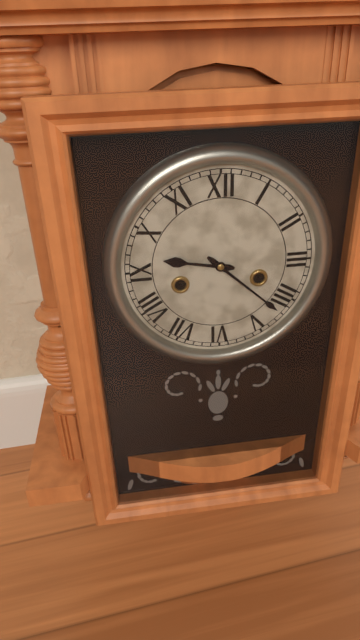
**9:22**
